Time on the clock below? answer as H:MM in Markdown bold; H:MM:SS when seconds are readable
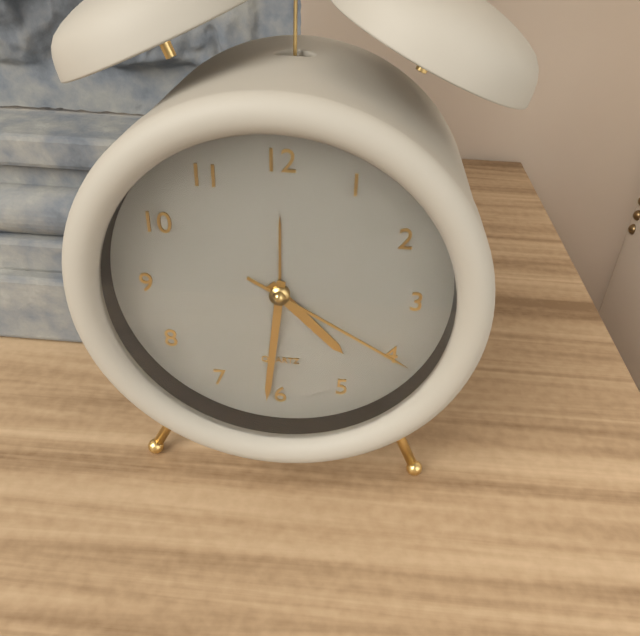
**4:31:20**
